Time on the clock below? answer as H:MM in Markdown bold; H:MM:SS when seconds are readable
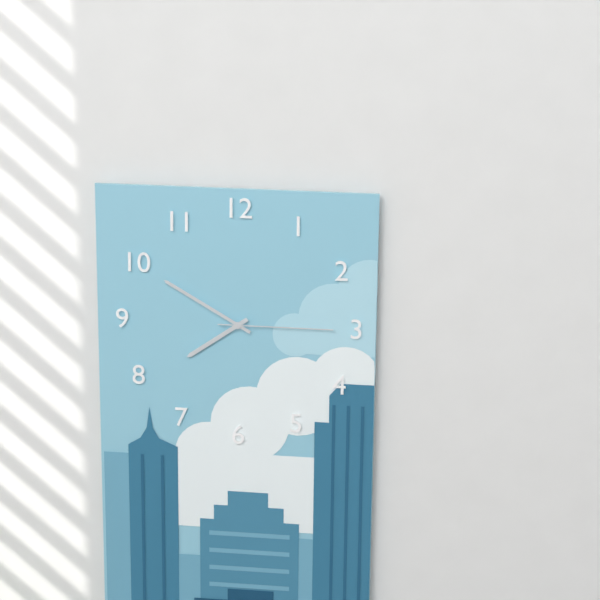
**7:50:15**
